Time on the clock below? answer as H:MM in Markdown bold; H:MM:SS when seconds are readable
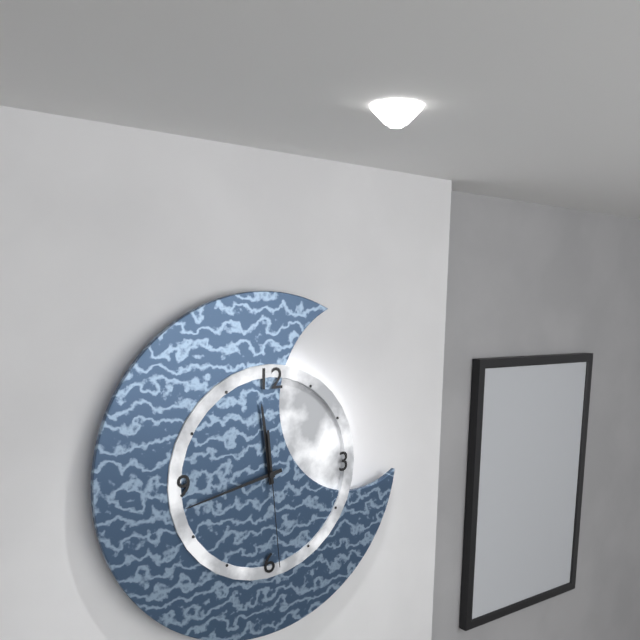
**11:43:29**
